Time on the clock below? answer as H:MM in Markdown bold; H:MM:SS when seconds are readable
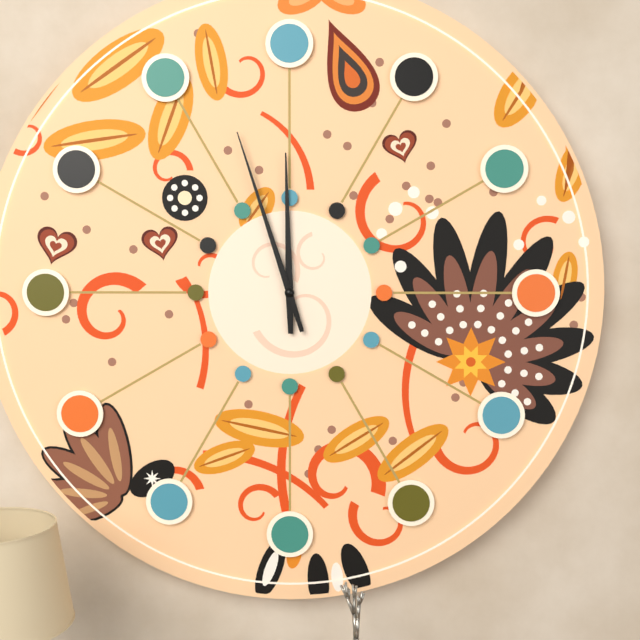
**11:57**
